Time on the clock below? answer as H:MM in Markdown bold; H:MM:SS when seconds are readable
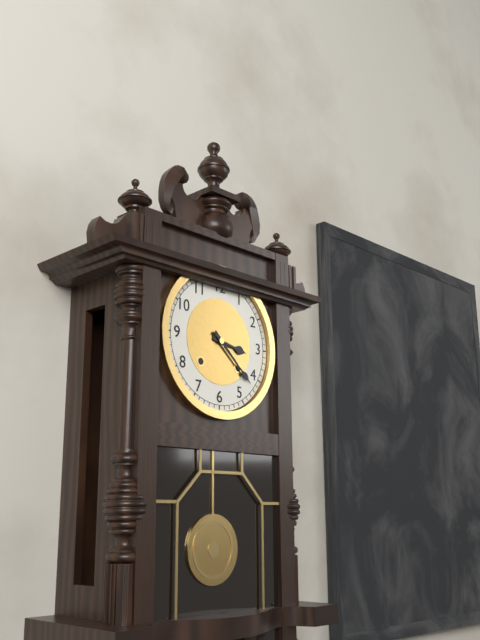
**3:22**
